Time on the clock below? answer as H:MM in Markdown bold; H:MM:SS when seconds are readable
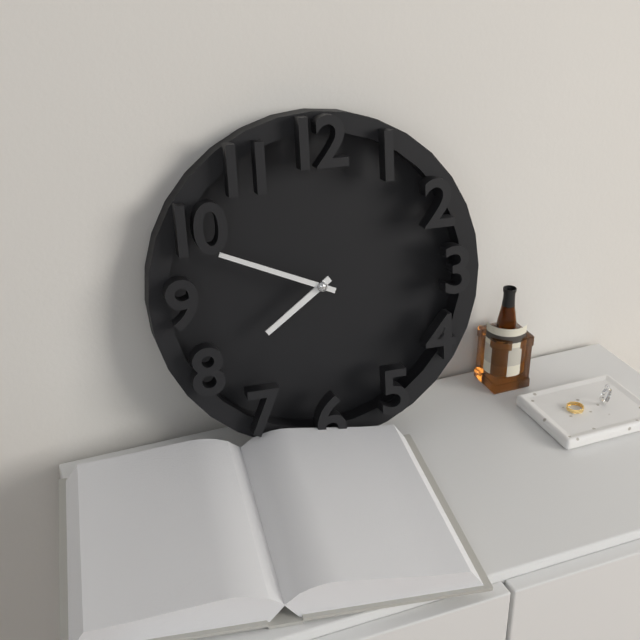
**7:49**
